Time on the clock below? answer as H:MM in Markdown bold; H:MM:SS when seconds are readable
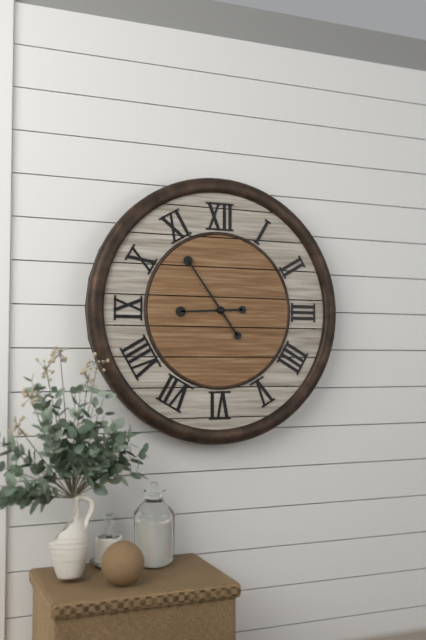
**8:54**
